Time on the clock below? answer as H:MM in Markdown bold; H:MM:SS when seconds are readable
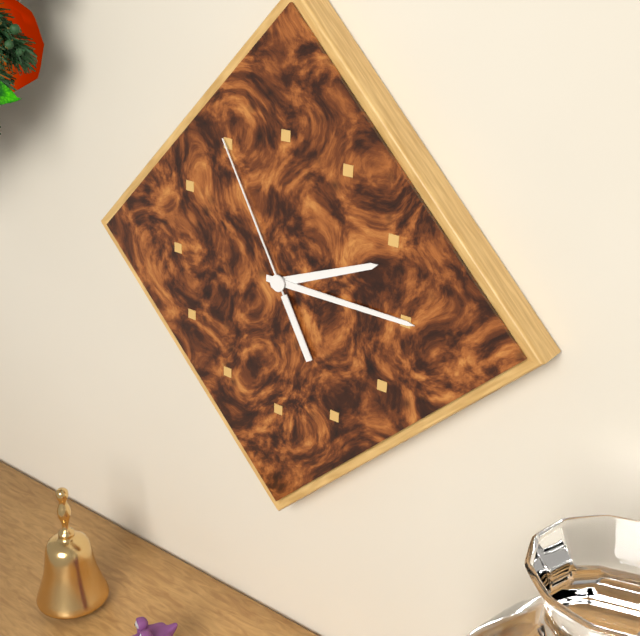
**2:15:55**
